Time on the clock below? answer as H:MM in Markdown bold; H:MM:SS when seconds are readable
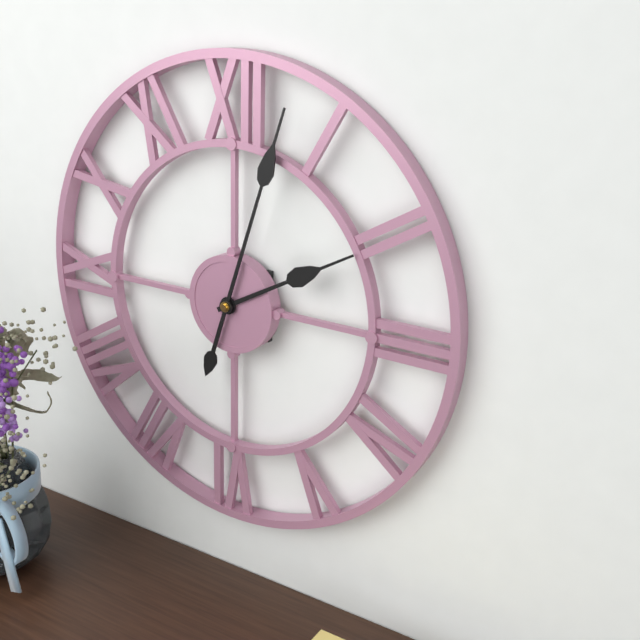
**2:03**
